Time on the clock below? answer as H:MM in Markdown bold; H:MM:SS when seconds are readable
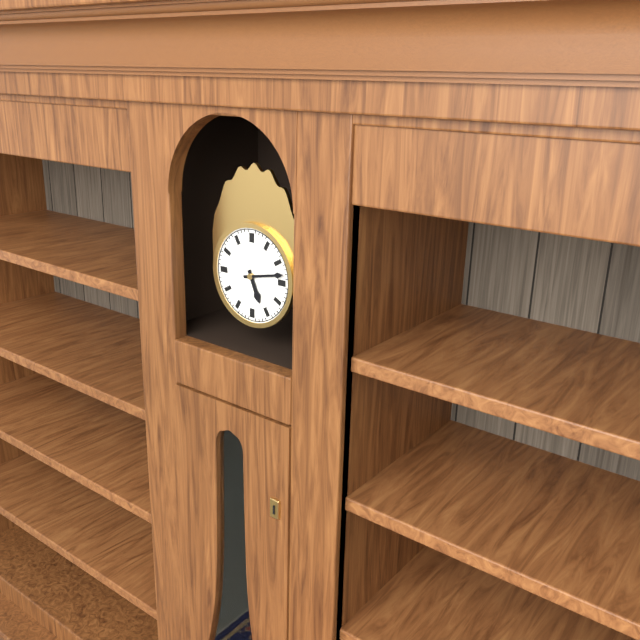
**5:13**
